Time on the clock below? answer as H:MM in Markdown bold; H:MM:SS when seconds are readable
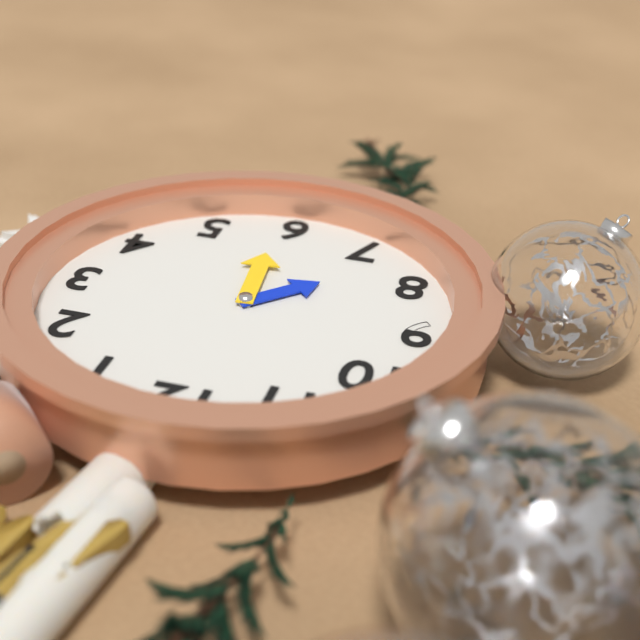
**7:29**
